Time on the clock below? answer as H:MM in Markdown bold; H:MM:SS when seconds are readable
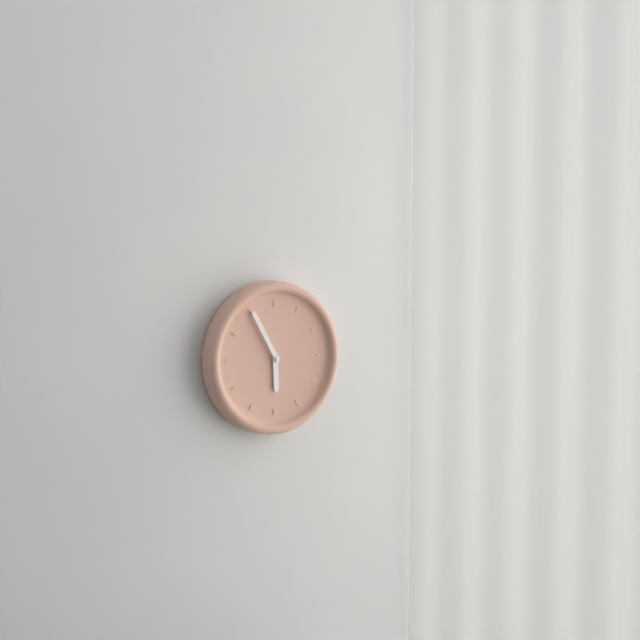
**5:55**
